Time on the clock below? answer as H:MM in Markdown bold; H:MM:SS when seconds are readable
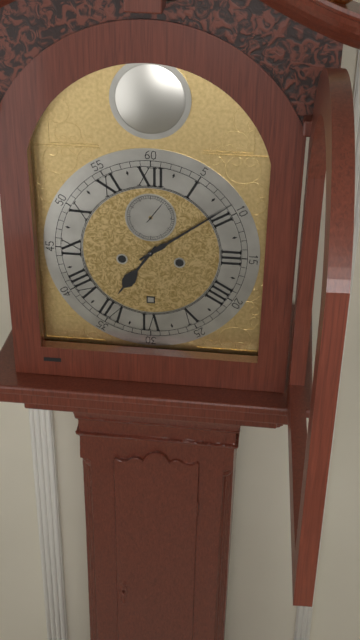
**7:09**
